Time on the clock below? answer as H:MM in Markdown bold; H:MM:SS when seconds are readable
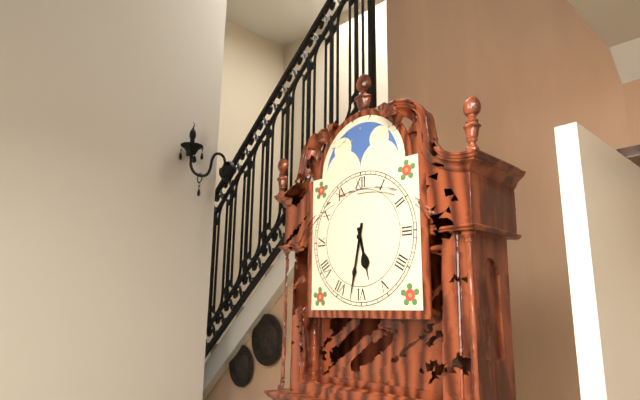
**5:32**
